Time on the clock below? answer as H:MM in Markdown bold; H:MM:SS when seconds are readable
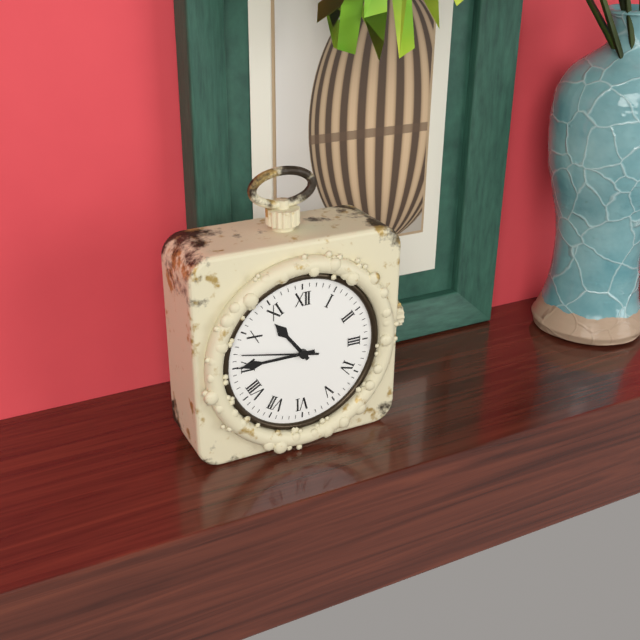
**10:45:47**
